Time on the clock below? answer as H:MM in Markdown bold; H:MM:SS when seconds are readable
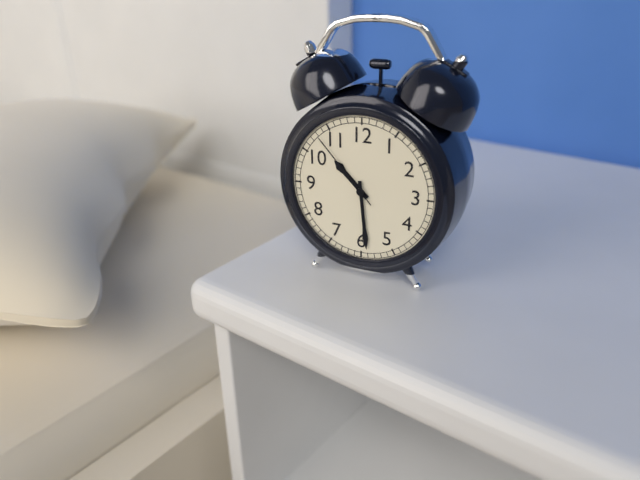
**10:29:53**
